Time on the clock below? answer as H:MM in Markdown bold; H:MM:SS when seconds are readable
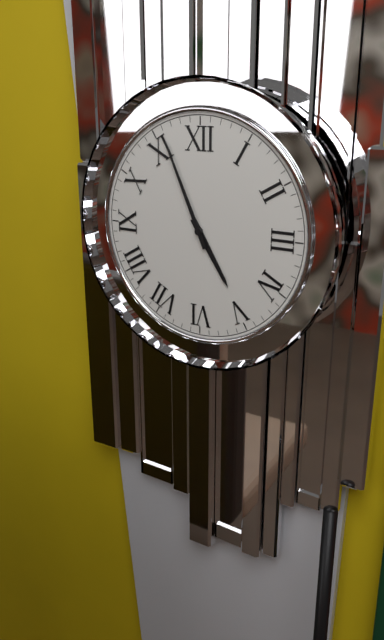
**4:56**
